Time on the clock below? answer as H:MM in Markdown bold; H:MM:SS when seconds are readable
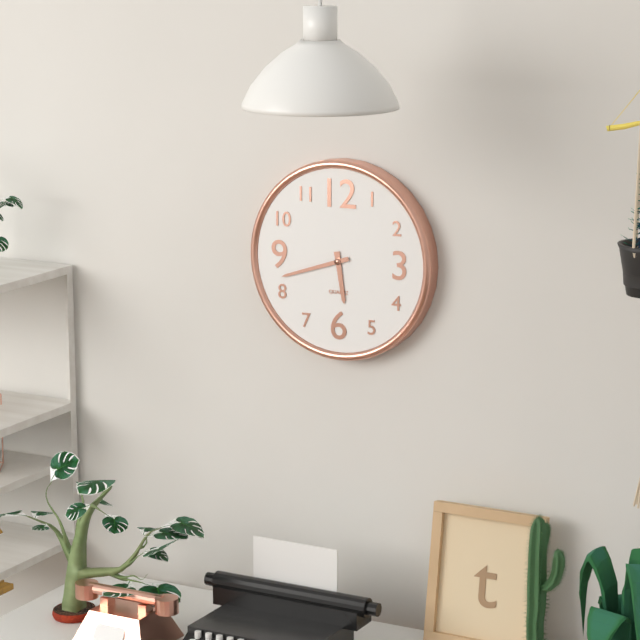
**5:42**
